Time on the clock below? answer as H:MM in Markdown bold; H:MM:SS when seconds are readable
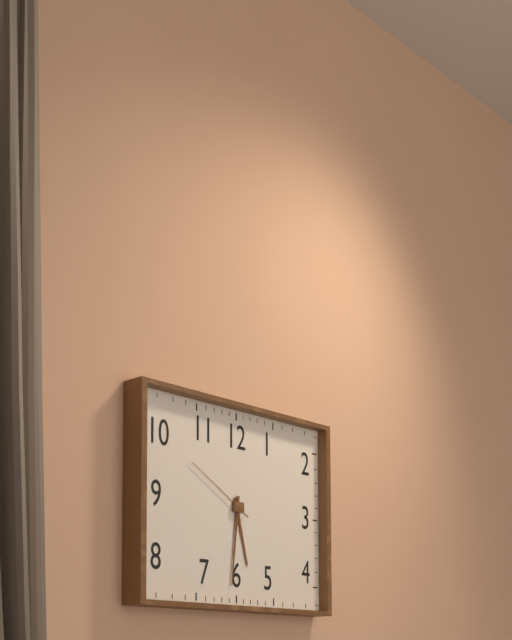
**5:31:50**
